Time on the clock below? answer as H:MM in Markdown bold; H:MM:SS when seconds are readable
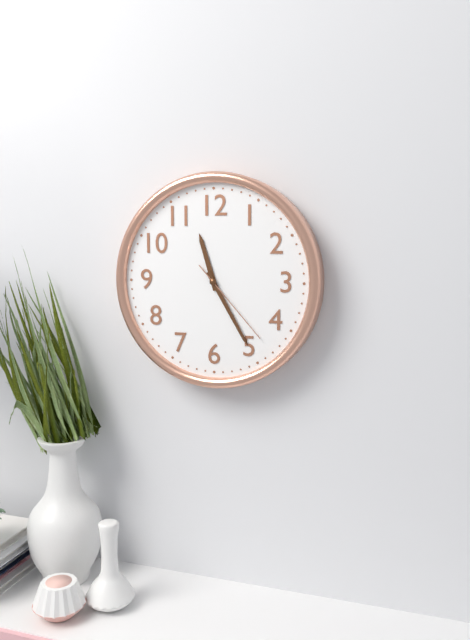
**11:25:23**
